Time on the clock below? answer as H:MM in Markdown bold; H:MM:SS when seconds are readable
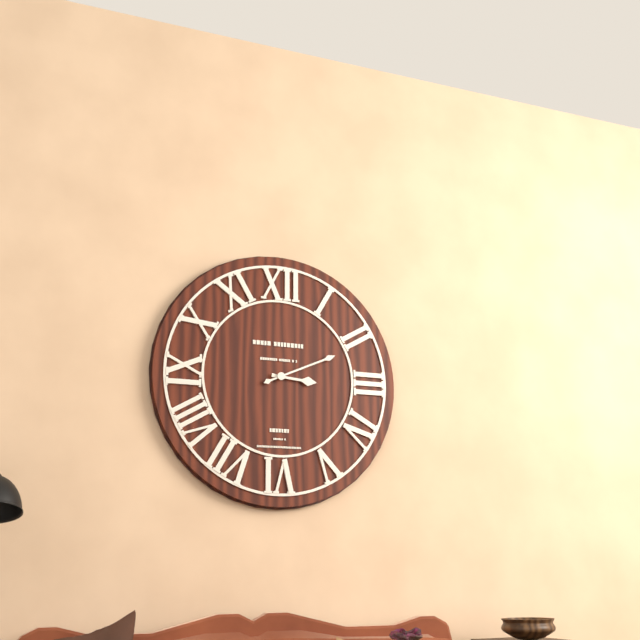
**3:11**
